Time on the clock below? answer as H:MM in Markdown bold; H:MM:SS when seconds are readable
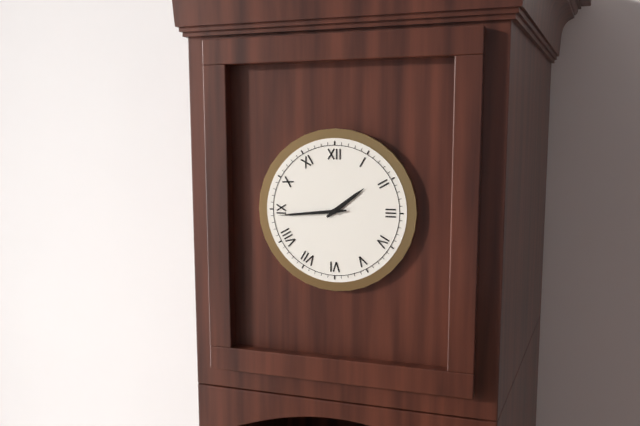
**1:44**
